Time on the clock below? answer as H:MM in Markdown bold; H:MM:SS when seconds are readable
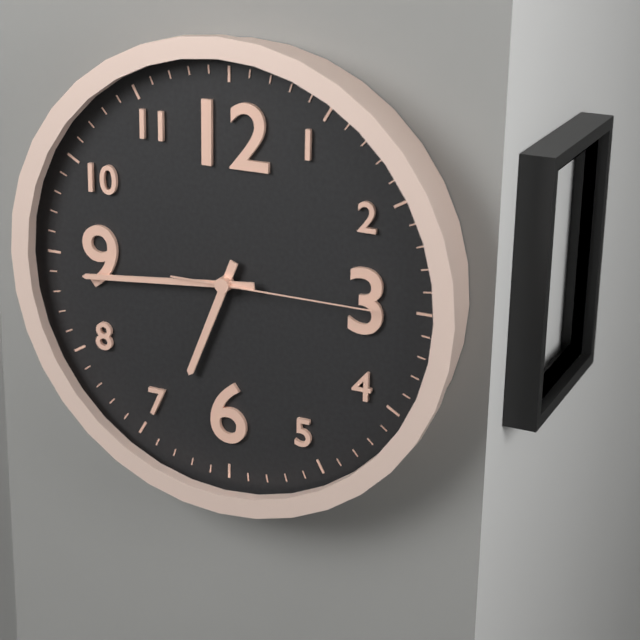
**6:44:15**
